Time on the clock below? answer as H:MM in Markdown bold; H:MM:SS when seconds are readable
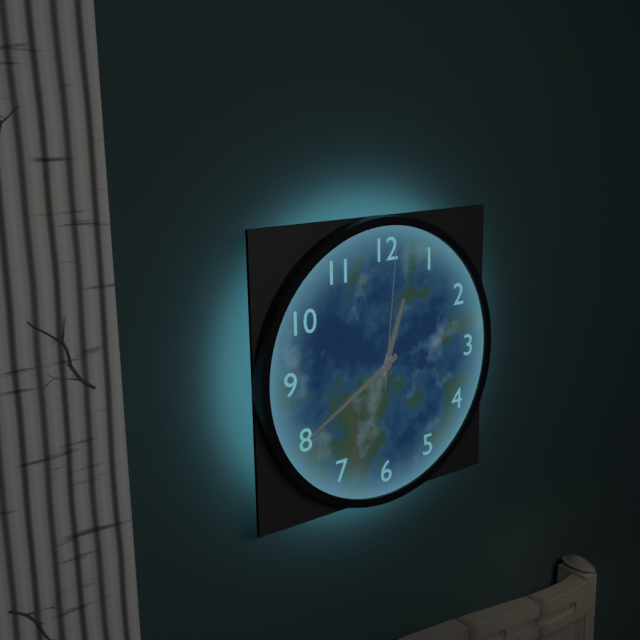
**12:40:01**
